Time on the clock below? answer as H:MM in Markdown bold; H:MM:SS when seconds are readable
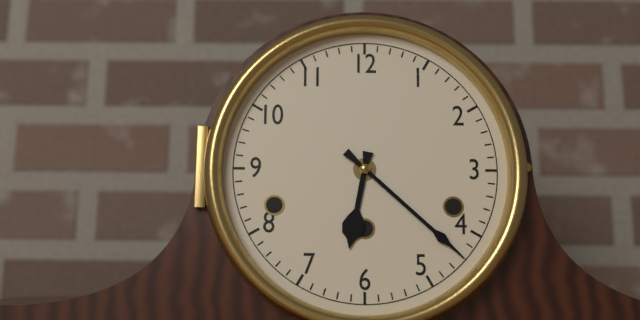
**6:22**
